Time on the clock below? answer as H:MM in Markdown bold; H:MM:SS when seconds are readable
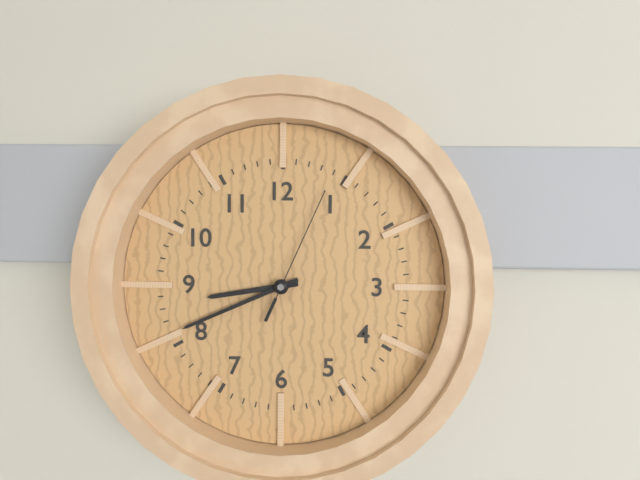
**8:41:04**
